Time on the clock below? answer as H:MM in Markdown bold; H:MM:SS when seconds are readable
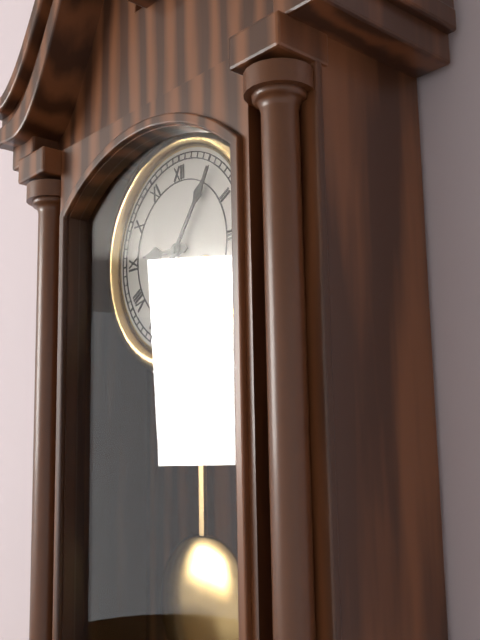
**9:06**
